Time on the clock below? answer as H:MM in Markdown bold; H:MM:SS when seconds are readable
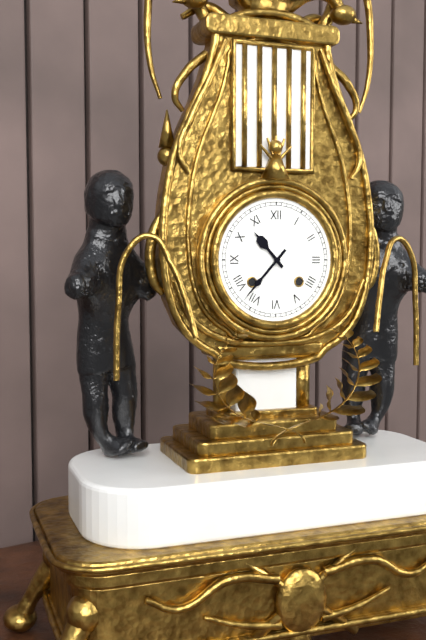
**10:37**
